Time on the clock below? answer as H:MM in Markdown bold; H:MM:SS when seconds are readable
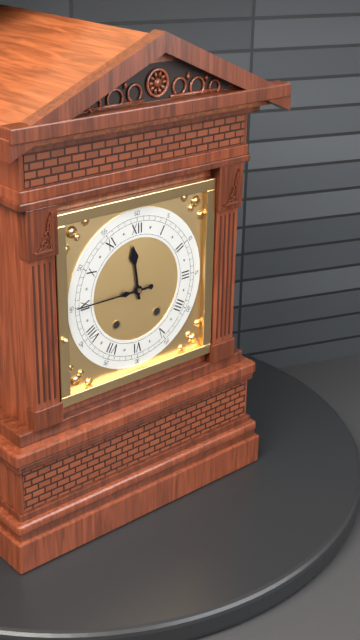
**11:45**
